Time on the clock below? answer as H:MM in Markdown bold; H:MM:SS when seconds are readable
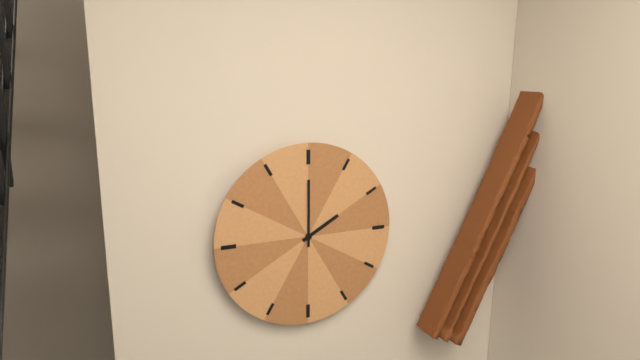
**2:00**
